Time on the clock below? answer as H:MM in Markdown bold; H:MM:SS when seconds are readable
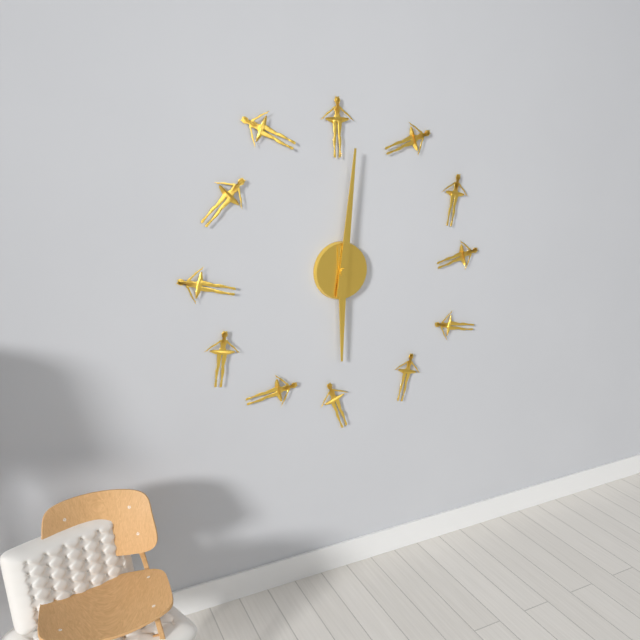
**6:01**
